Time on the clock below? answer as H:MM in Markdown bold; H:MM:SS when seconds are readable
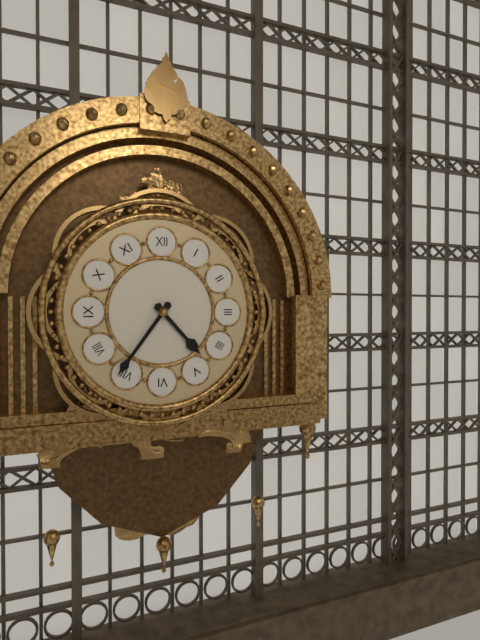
**4:36**
